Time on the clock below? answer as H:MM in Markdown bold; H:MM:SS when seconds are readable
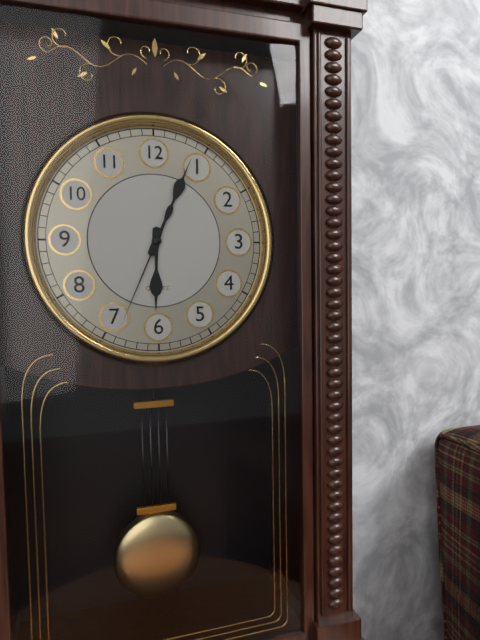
**6:04:34**
